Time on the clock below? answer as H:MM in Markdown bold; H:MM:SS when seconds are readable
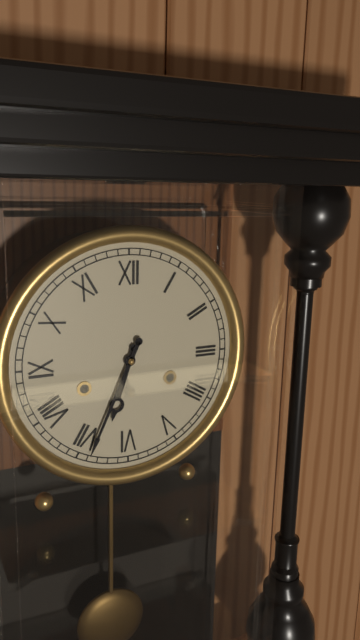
**6:34**
